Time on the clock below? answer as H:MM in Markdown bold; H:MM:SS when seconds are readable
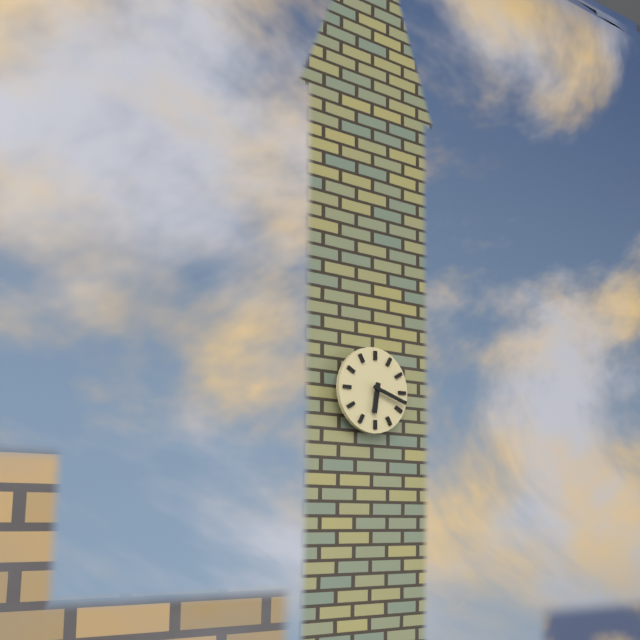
**6:18**
